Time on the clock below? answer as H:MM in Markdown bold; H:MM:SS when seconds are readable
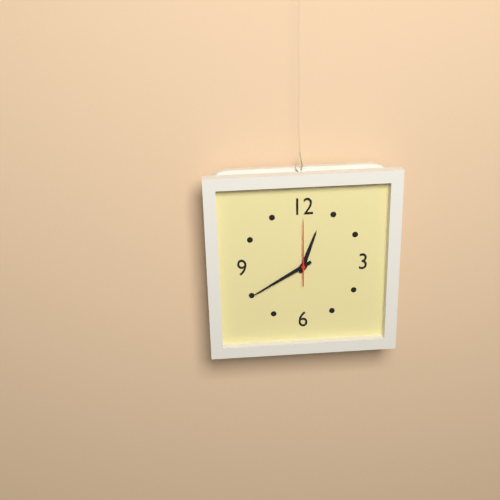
**12:40:00**
